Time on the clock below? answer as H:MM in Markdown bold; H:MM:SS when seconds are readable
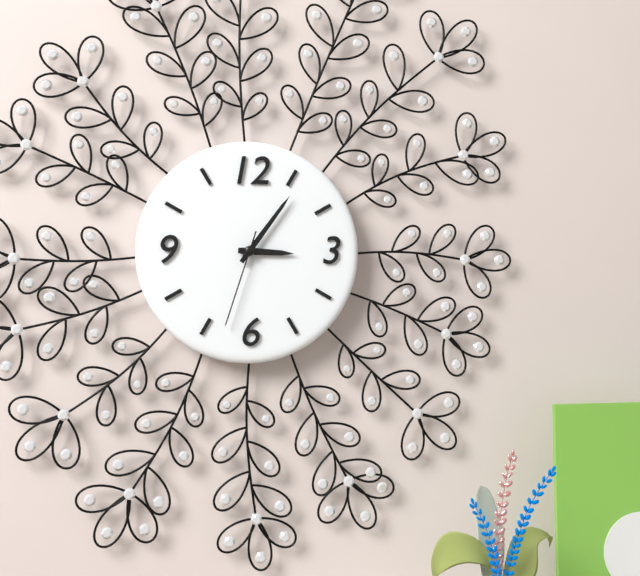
**3:06:33**
